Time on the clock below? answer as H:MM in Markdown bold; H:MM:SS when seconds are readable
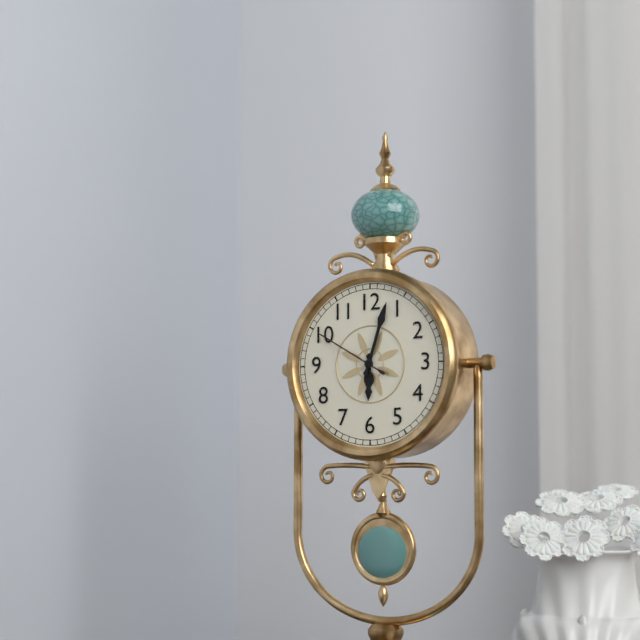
**6:03:50**
